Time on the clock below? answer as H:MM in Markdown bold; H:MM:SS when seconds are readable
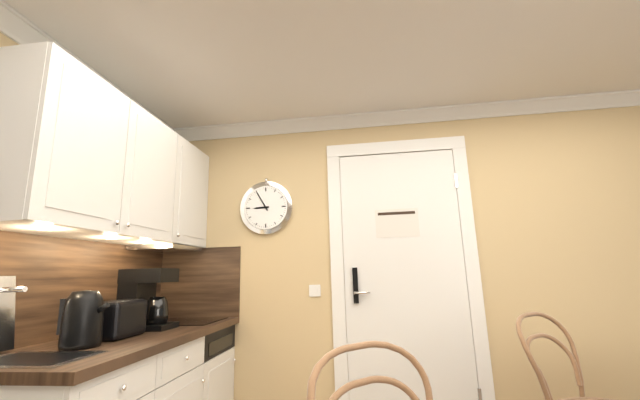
**8:55**
